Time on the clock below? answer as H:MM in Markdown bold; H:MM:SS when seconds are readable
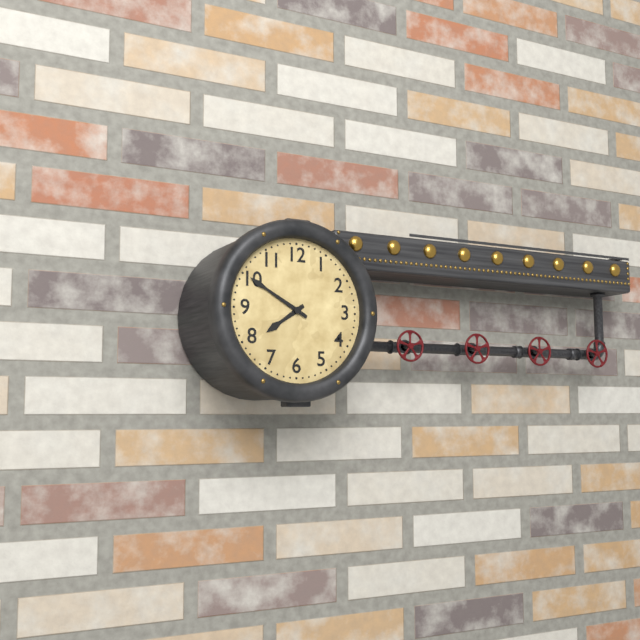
**7:50**
